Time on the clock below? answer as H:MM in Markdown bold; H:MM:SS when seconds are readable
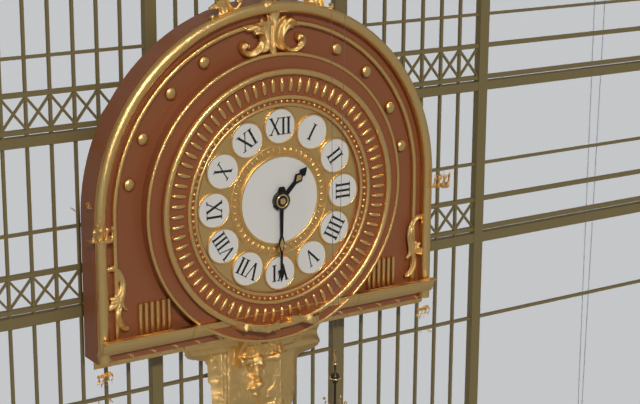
**1:30**
